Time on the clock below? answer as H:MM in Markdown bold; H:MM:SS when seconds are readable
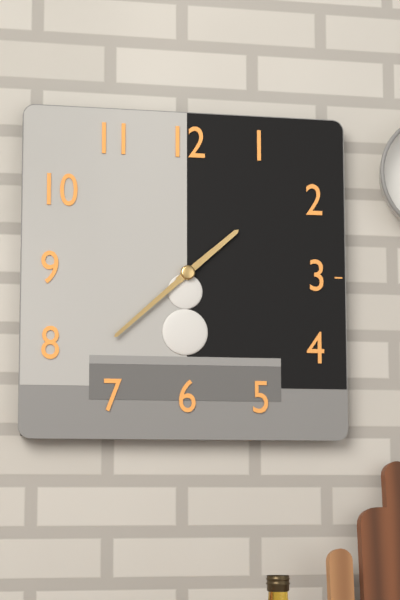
**1:38**
